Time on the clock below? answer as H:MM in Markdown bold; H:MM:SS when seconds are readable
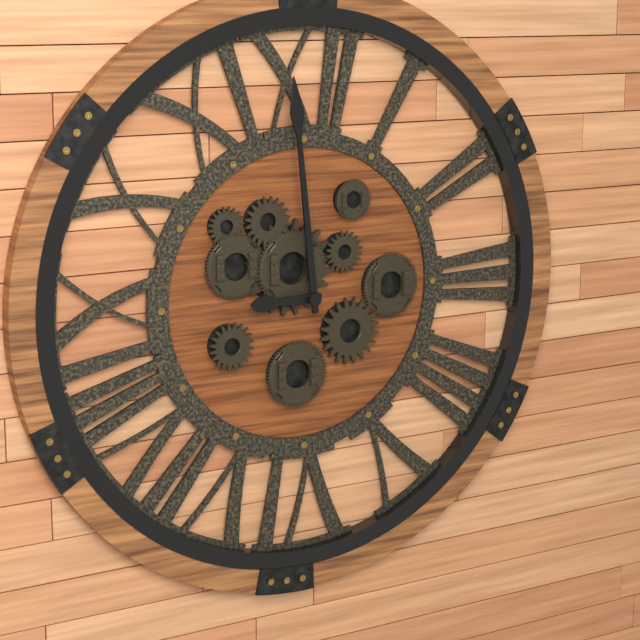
**8:59**
